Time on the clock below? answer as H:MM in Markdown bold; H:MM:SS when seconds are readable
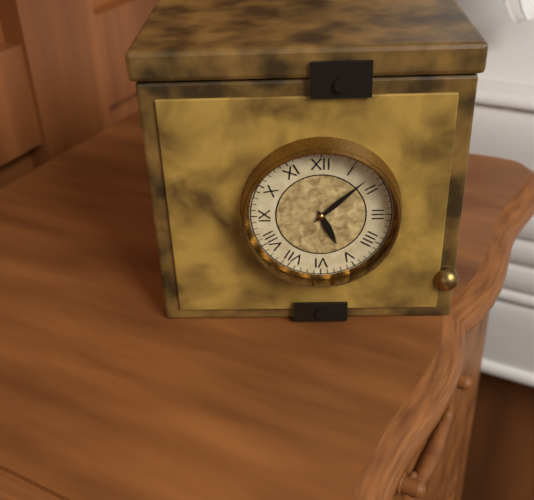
**5:08**
